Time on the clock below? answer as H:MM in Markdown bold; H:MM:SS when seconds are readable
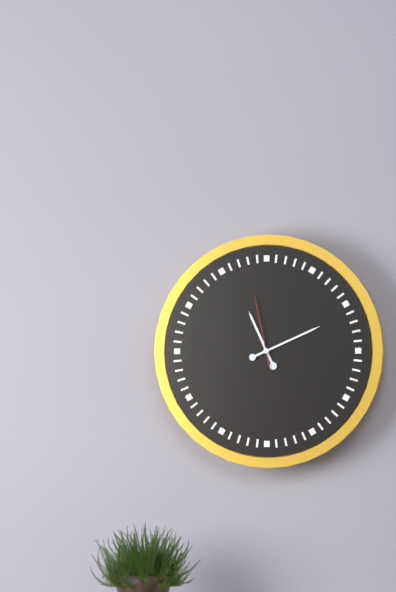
**11:11:58**
